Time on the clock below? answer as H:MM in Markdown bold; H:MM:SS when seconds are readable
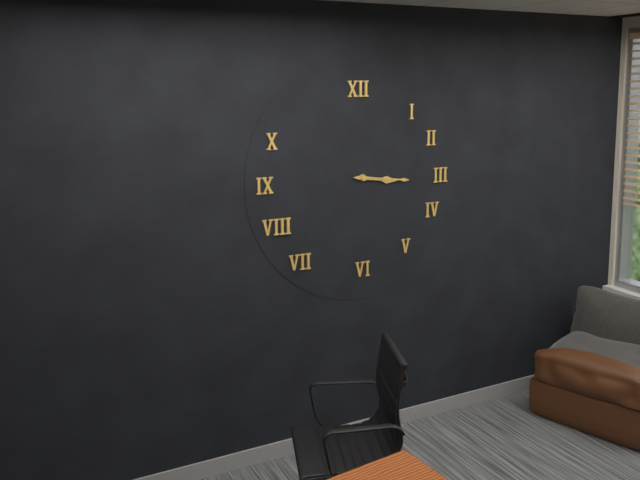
**3:16**
